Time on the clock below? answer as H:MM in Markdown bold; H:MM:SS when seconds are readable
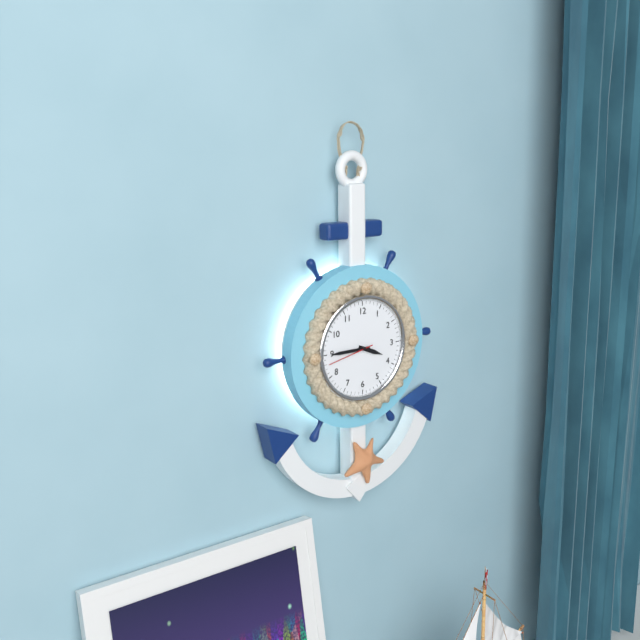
**3:45**
